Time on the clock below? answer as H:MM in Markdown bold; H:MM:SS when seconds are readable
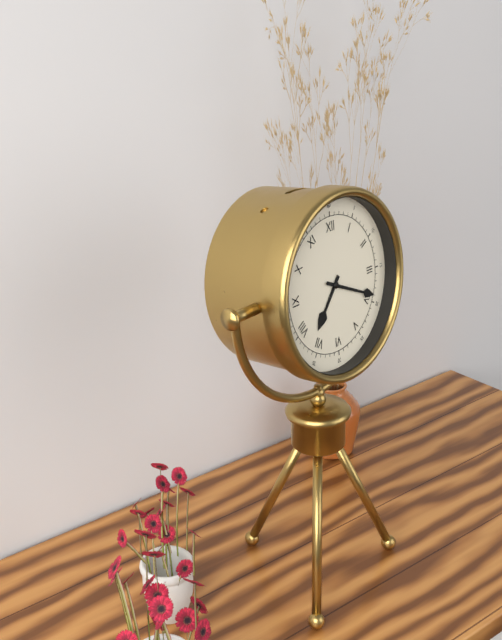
**7:19**
